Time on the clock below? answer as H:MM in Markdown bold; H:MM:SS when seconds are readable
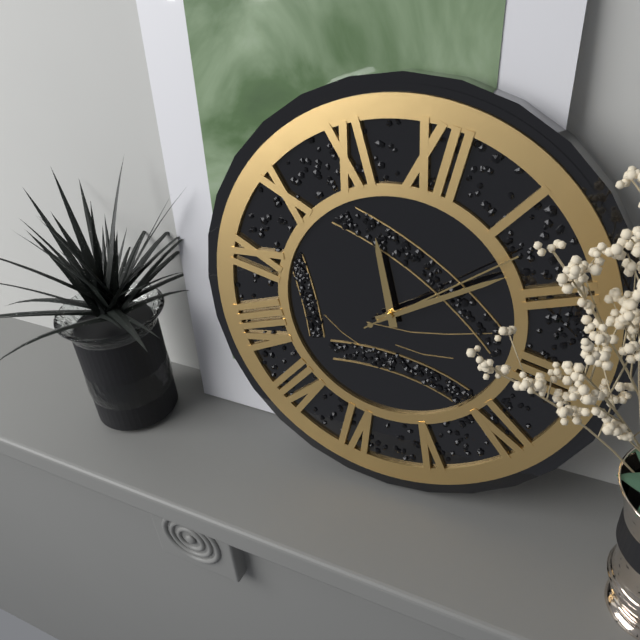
**11:08:07**
